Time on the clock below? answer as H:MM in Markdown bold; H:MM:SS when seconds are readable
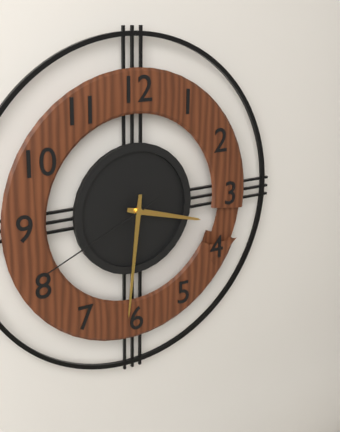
**3:31:41**
